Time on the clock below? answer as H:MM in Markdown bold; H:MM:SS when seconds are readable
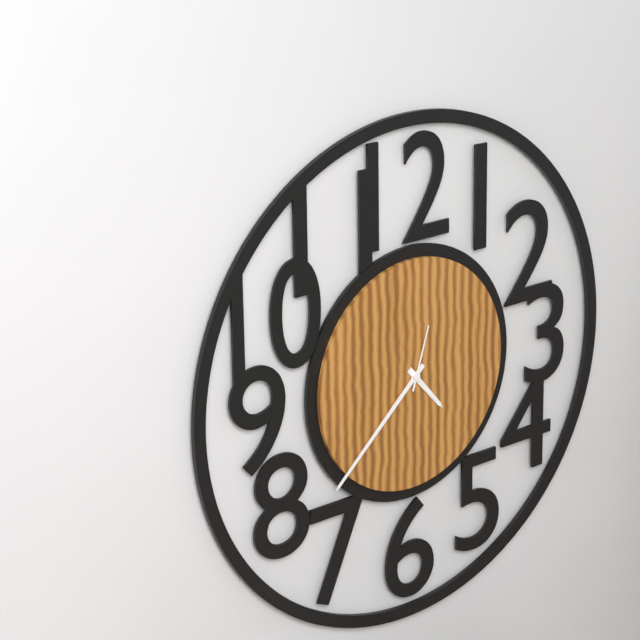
**4:38:03**
